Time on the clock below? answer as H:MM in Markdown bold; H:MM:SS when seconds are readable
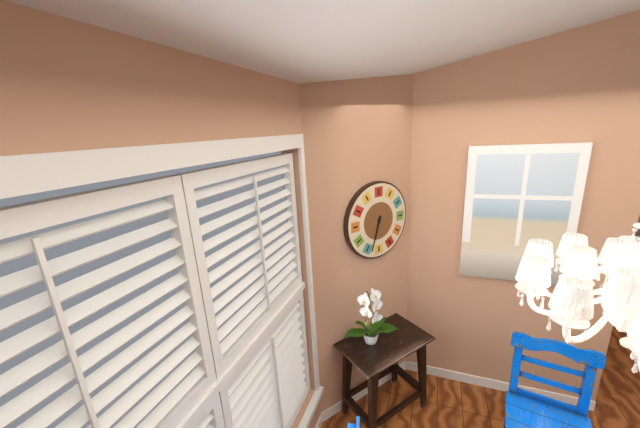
**6:33**
